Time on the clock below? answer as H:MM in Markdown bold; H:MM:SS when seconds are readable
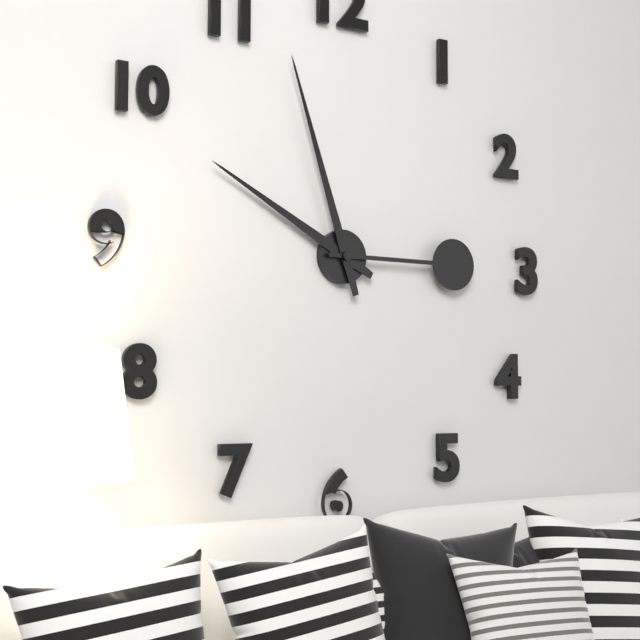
**9:57:15**
